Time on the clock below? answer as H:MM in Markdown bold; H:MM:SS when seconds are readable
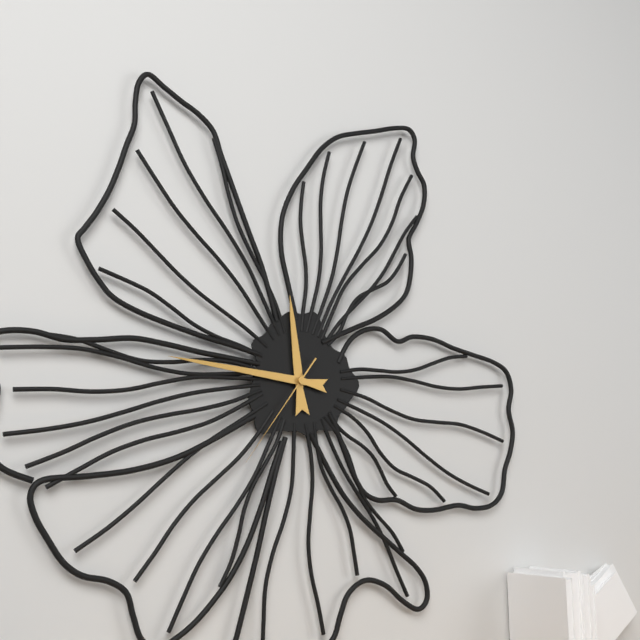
**11:46:36**
